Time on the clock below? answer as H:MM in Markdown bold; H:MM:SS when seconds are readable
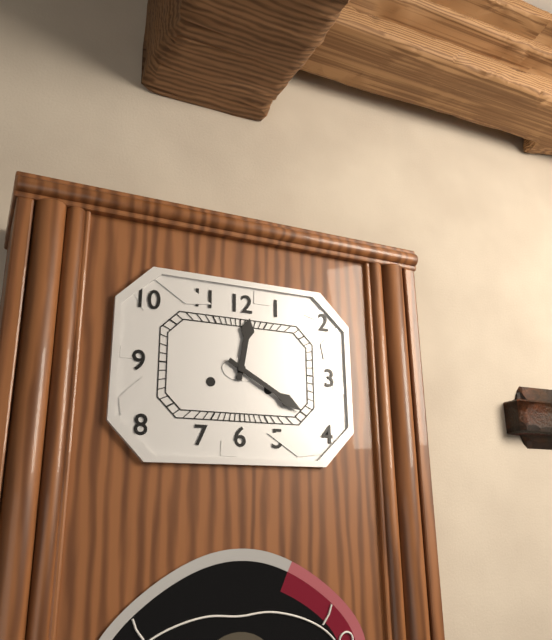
**12:20**
